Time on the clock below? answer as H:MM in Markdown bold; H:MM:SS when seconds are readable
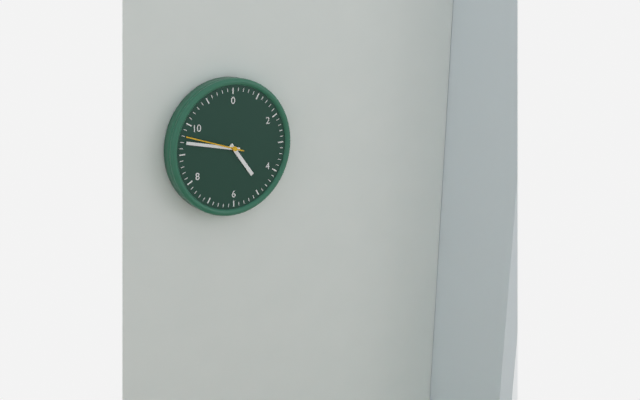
**4:47:48**
